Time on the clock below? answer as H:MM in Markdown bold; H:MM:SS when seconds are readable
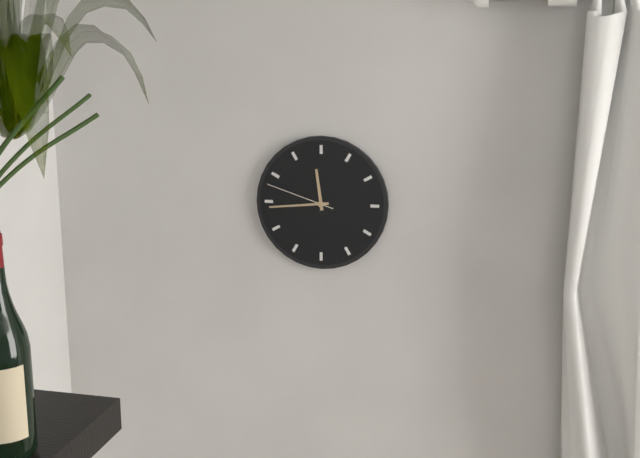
**11:44:48**
